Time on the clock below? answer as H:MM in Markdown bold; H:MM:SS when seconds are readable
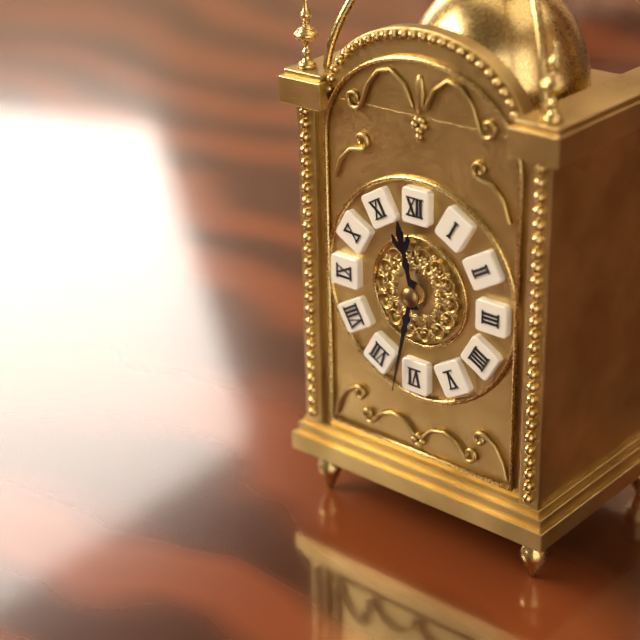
**11:32**
